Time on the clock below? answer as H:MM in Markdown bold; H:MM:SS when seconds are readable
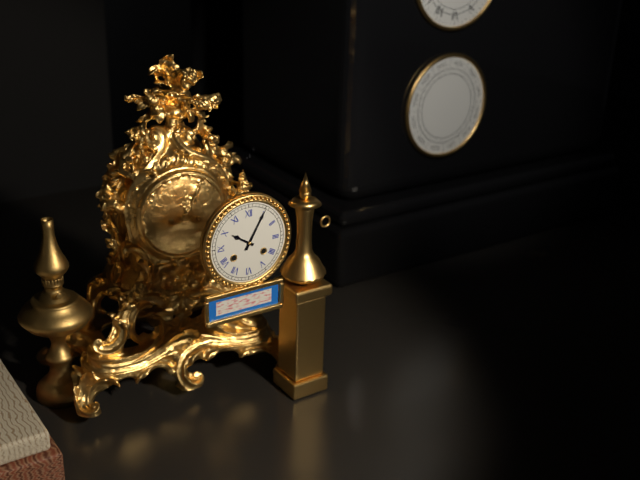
**10:05**
